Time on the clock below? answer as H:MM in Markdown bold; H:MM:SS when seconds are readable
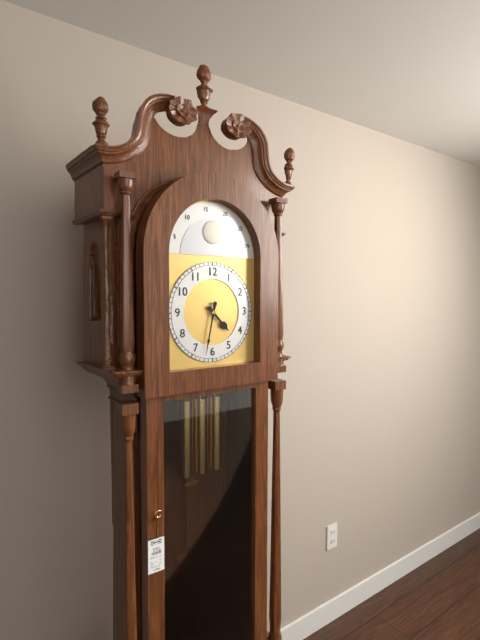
**4:32**
